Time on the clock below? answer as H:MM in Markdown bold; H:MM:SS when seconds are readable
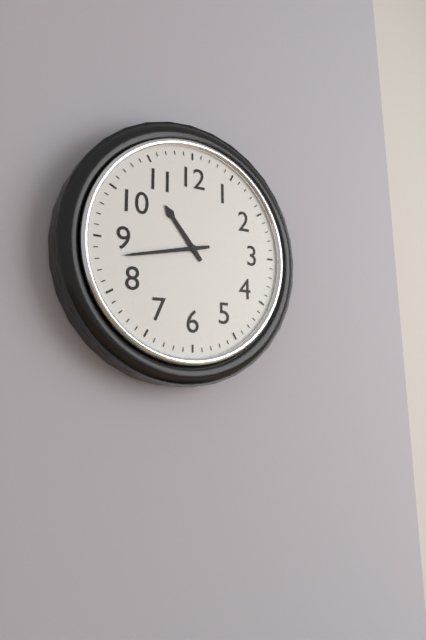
**10:43**
